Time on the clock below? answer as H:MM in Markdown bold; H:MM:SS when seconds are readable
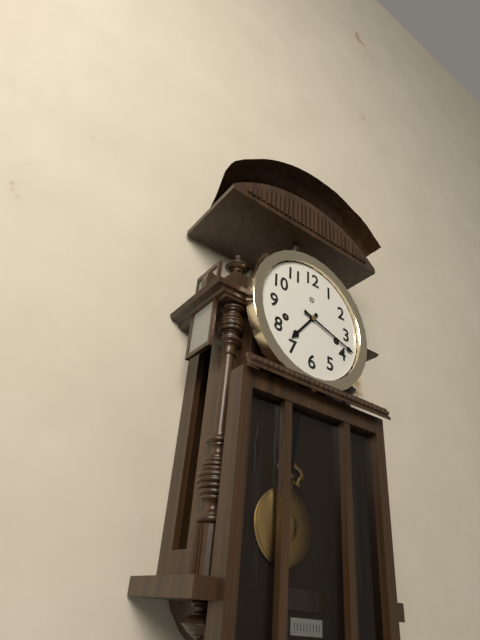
**7:18**
